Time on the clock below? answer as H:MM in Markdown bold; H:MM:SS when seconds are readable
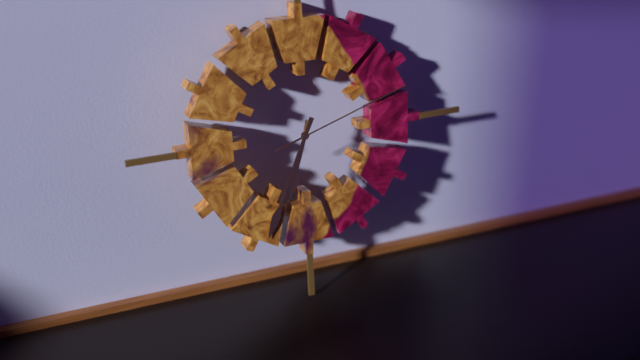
**6:34:12**
